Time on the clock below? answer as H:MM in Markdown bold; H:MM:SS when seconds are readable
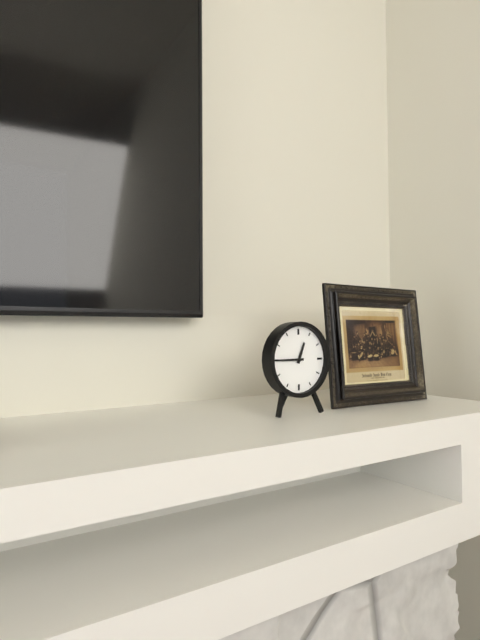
**12:45**
